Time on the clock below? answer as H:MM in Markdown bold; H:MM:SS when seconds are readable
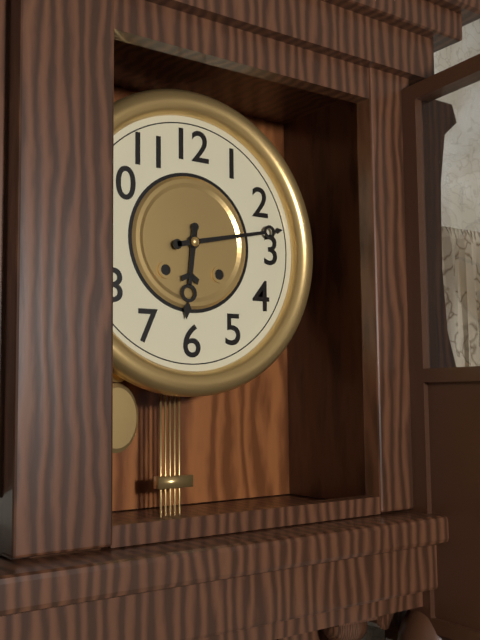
**6:13**
